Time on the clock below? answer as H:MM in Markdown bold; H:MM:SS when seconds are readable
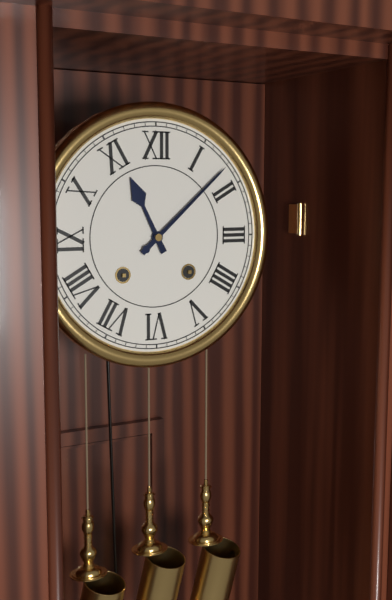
**11:08**
